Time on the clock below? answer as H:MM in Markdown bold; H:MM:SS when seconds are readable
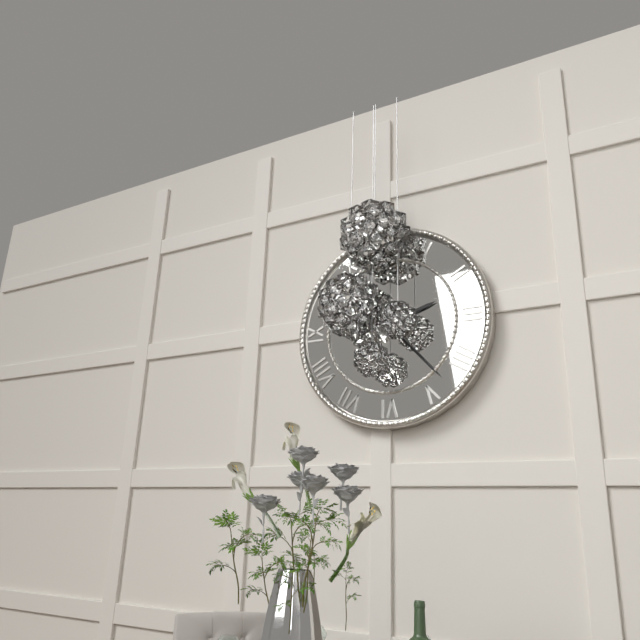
**2:23**
